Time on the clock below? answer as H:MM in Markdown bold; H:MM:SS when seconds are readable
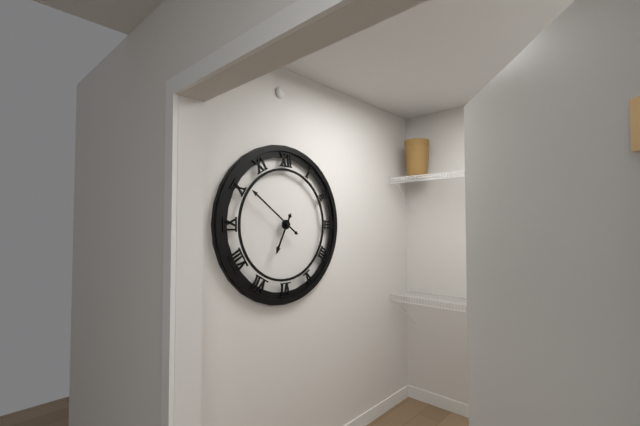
**6:51**
